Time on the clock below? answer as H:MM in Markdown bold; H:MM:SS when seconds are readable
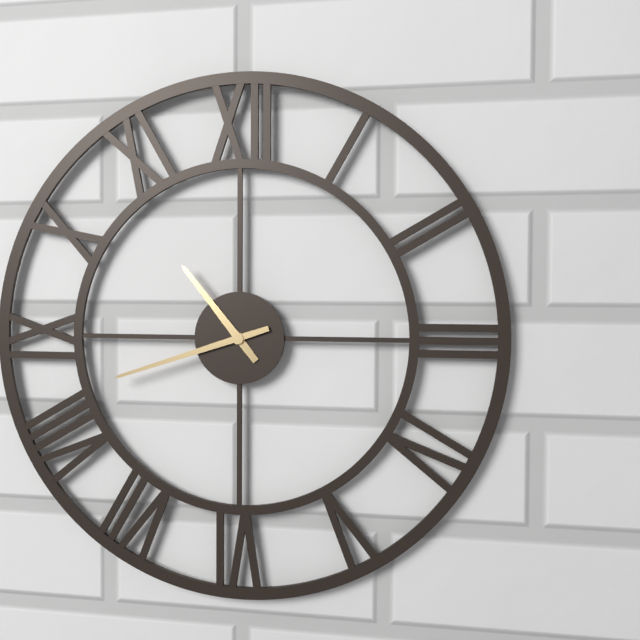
**10:42**
